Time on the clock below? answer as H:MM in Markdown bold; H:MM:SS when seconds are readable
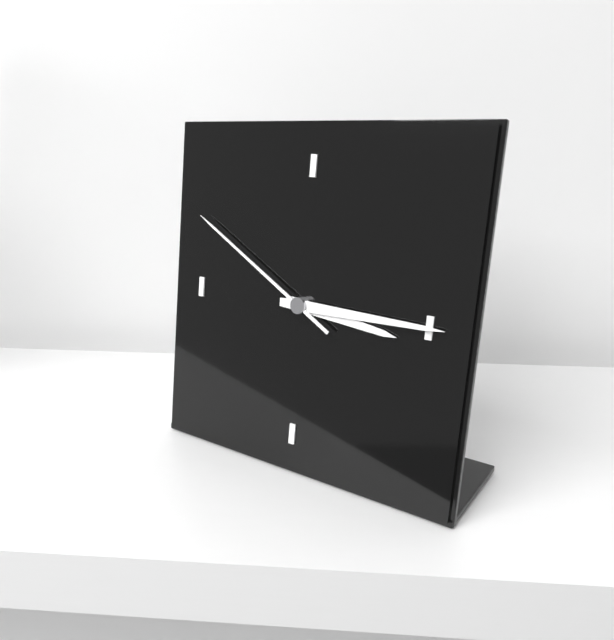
**3:15:50**
